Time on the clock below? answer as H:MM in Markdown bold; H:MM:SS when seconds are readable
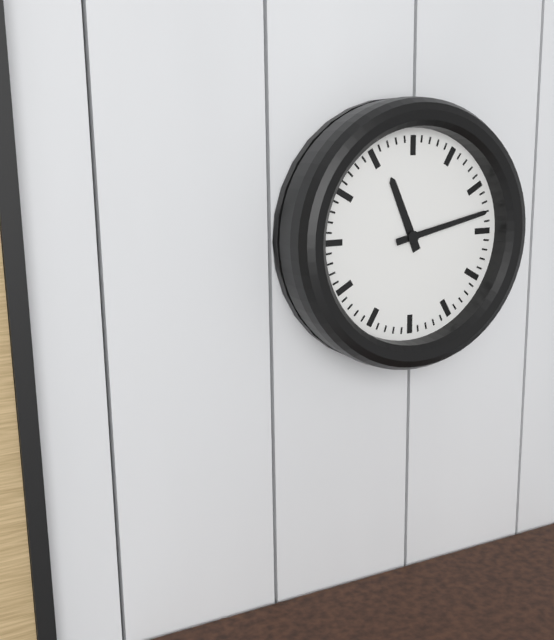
**11:13**
